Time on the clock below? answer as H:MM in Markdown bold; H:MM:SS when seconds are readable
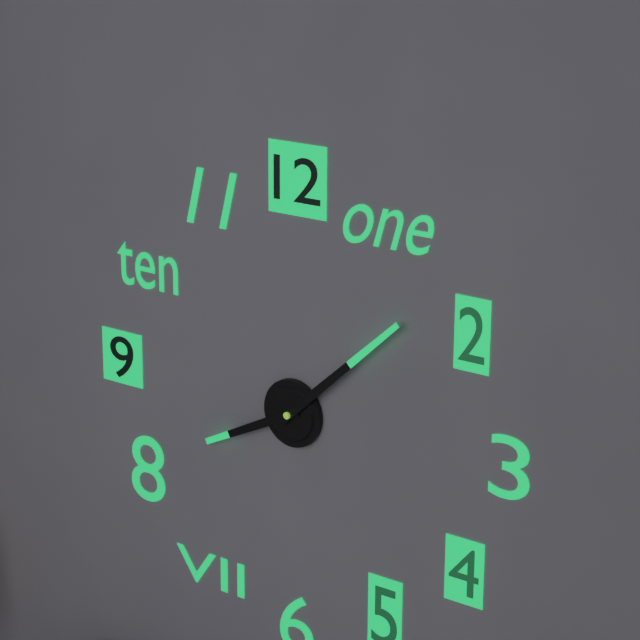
**8:08**
